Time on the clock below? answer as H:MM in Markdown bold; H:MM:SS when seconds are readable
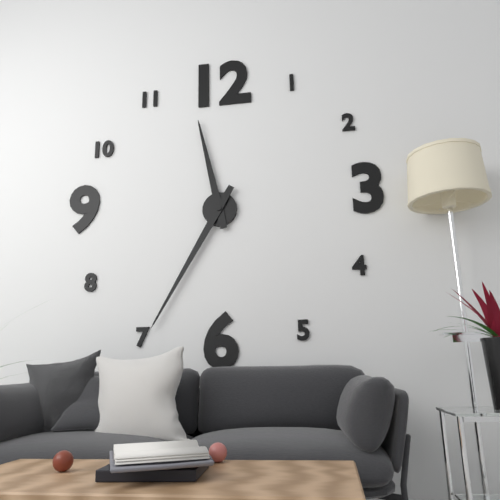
**11:35**
